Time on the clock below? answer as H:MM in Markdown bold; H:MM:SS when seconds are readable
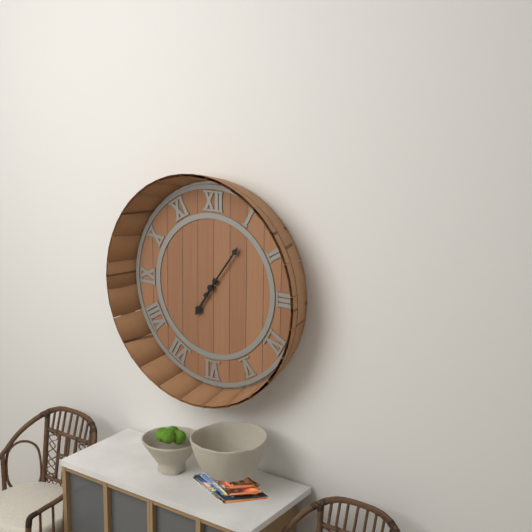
**7:06**
